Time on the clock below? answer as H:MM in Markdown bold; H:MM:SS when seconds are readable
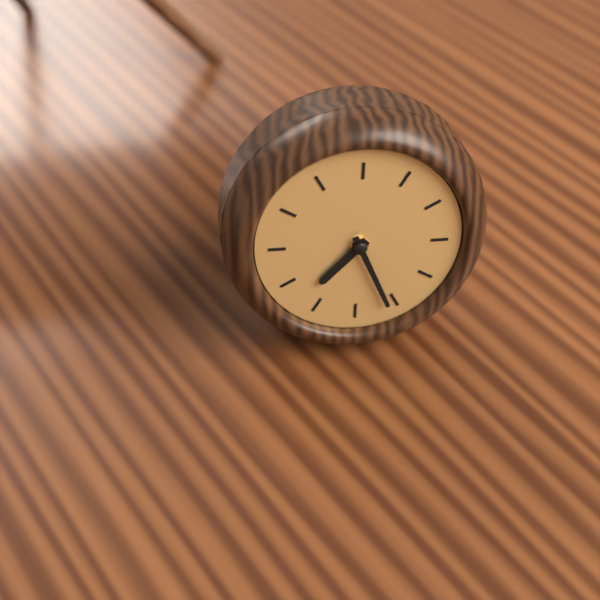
**7:26**
